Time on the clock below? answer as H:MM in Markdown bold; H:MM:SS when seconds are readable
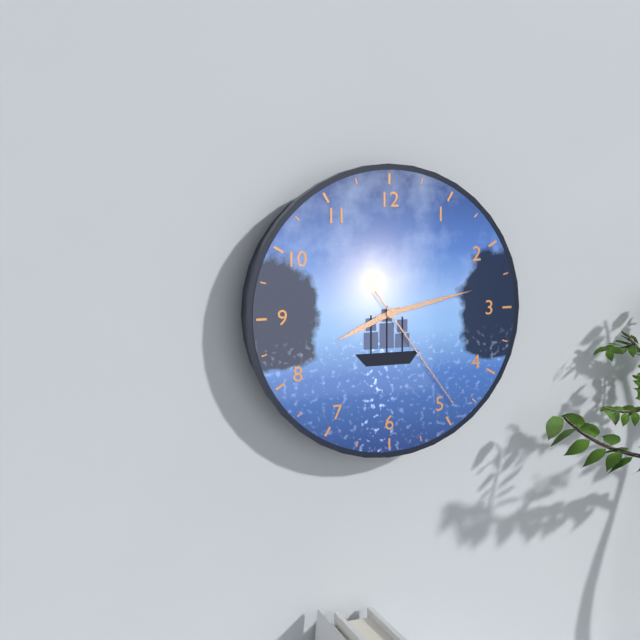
**8:13:24**
